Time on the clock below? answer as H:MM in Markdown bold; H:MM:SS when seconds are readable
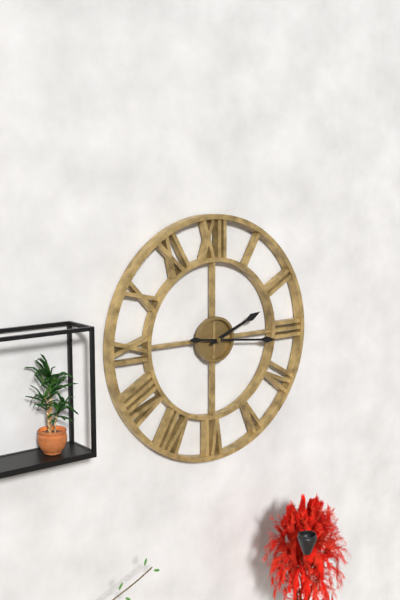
**2:16**
